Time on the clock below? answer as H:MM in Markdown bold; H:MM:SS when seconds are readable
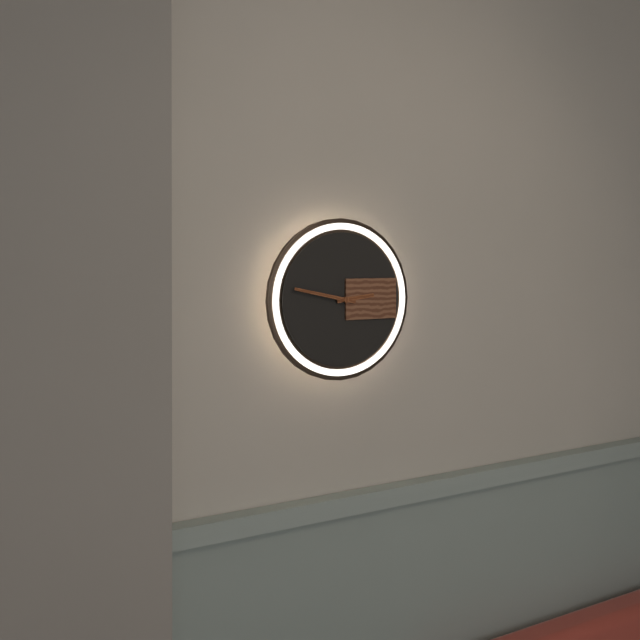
**2:47**
